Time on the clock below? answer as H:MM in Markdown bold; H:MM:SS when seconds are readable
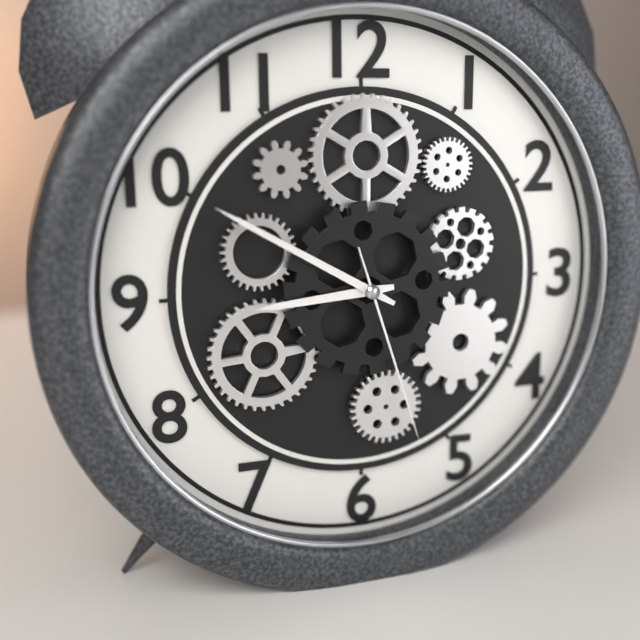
**8:50:27**
